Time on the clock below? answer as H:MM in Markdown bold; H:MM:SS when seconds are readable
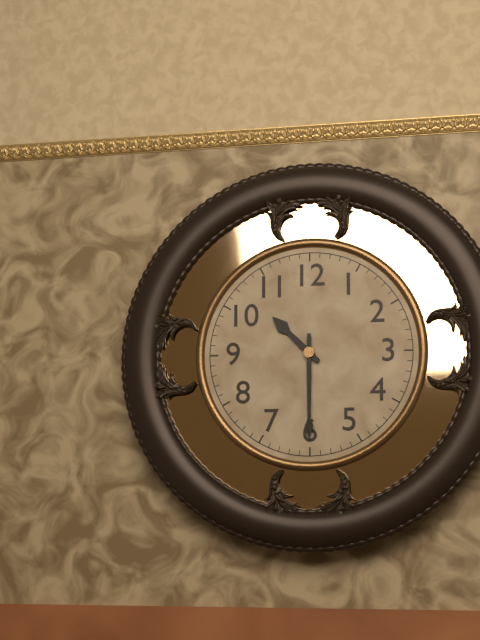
**10:30**
